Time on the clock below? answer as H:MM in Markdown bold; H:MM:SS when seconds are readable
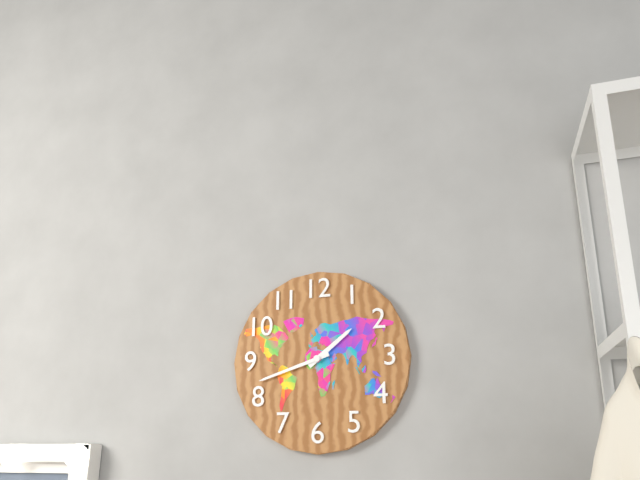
**1:42**
